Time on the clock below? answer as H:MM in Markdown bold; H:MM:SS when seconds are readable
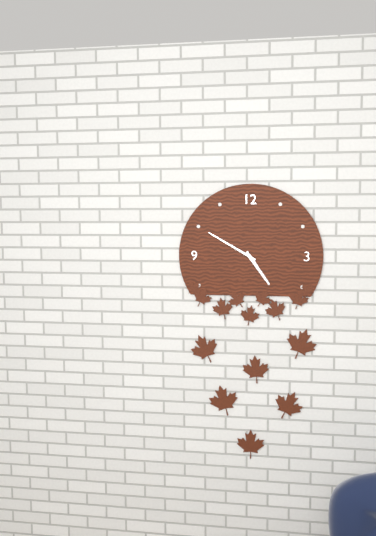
**4:50**
